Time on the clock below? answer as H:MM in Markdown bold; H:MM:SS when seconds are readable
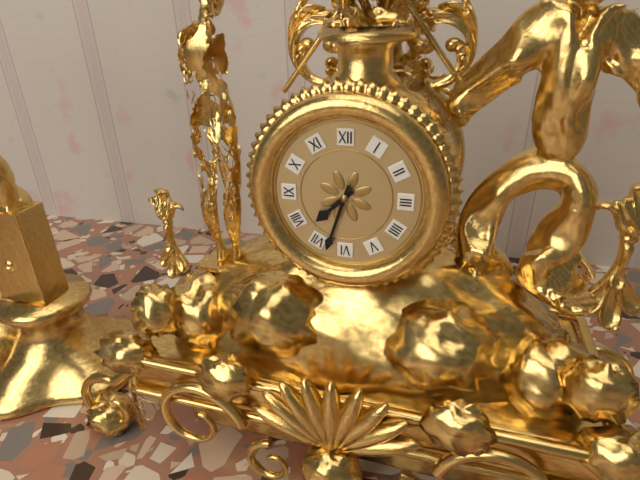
**7:33**
